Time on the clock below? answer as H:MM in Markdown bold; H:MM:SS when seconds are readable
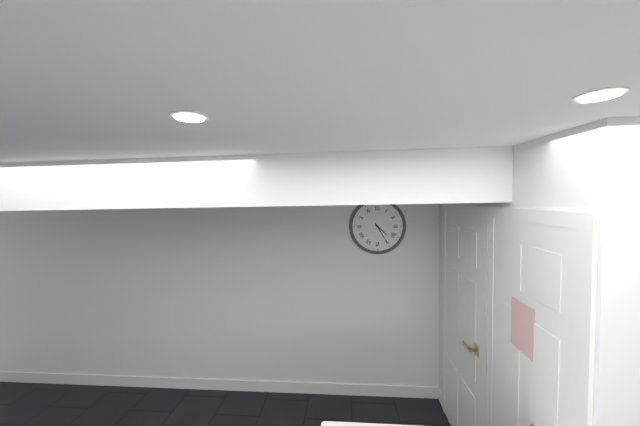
**4:25**
